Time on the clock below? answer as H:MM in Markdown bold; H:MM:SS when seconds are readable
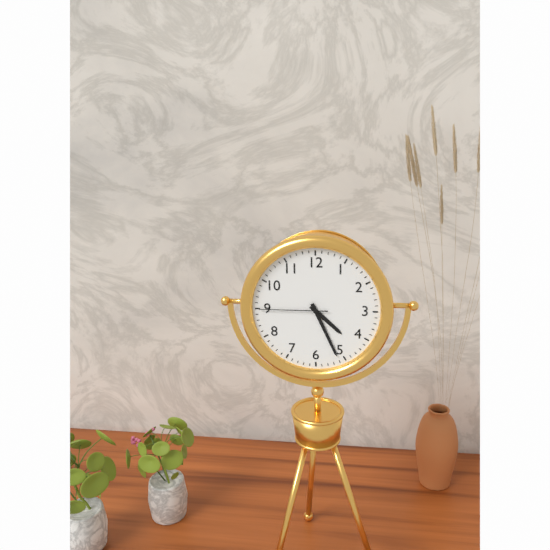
**4:26:45**
